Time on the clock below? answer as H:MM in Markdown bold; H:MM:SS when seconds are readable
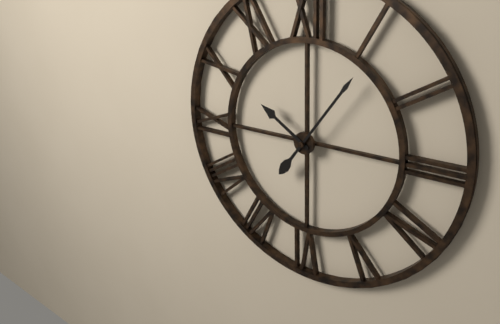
**10:06**
